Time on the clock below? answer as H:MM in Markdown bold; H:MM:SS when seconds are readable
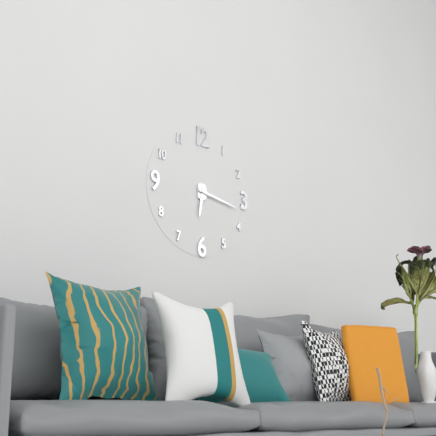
**6:17**
